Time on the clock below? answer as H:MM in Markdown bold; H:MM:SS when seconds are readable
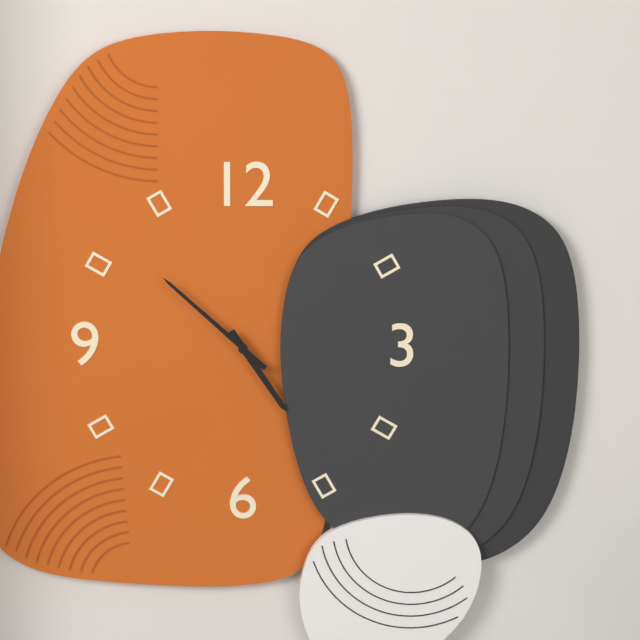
**4:52**
